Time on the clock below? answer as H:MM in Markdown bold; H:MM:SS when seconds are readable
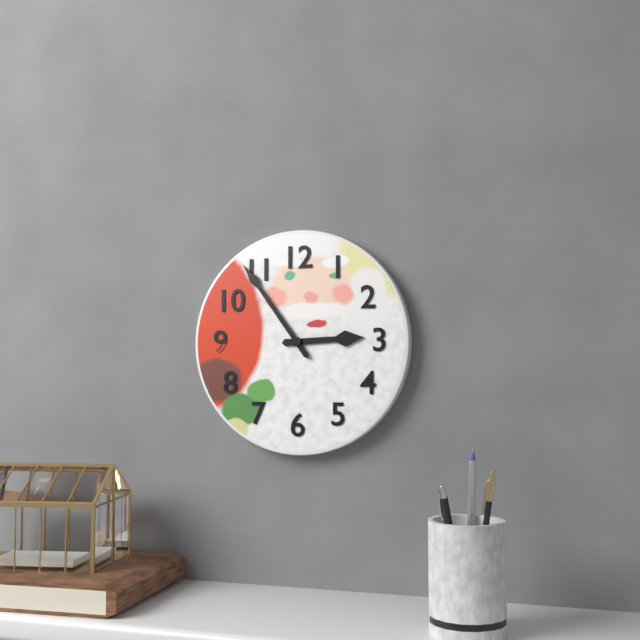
**2:54**
